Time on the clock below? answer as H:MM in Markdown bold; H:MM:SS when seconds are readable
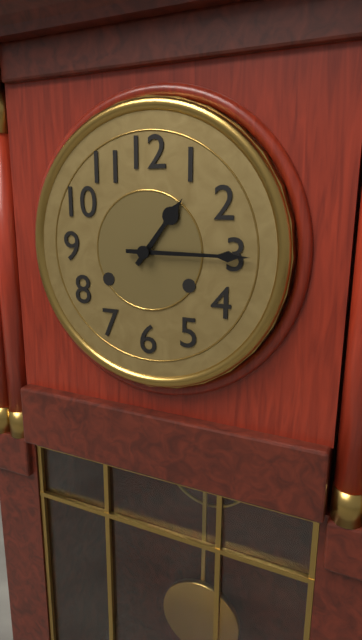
**1:15**
